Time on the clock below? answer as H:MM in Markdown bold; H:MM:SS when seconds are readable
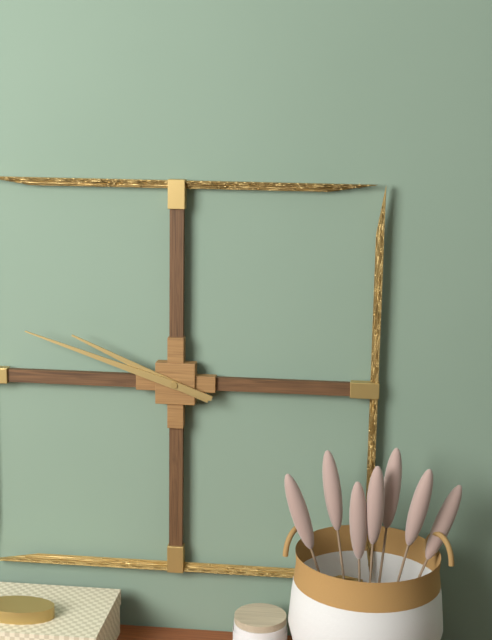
**9:48**
